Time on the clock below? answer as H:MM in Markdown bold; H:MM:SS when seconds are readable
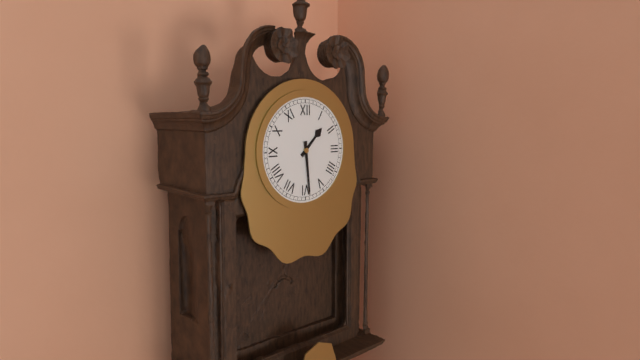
**1:29**
